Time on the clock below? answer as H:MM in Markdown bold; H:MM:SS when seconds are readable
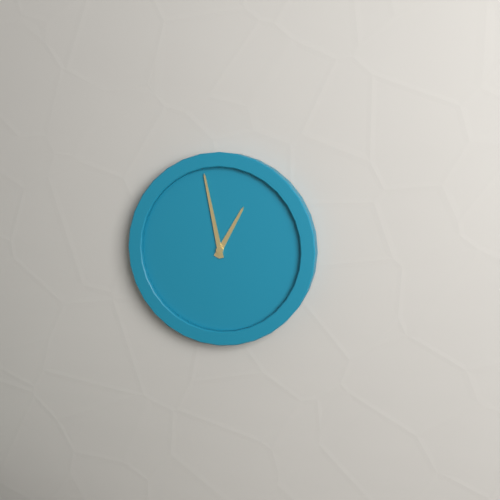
**12:58**
